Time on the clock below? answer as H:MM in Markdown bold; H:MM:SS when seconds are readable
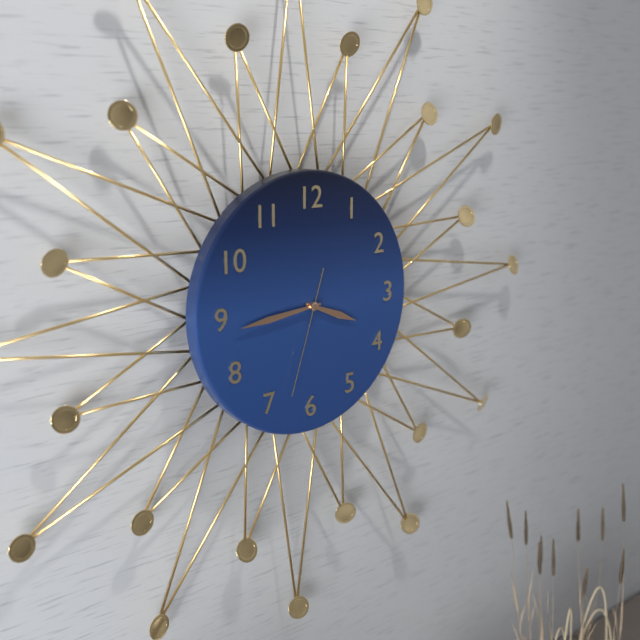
**3:44:33**
